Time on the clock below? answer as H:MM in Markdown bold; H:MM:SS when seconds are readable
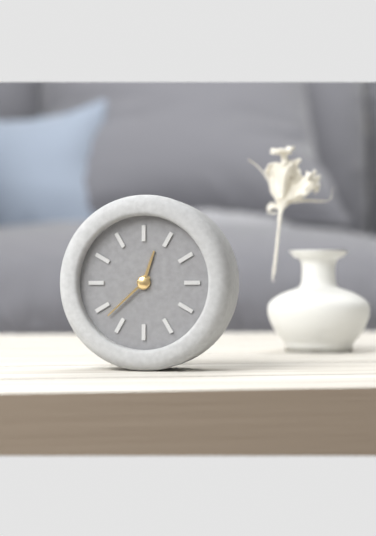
**12:38**
